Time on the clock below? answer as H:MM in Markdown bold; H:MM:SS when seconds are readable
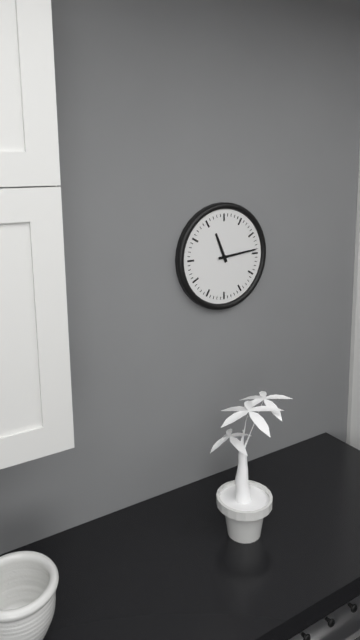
**11:14**
